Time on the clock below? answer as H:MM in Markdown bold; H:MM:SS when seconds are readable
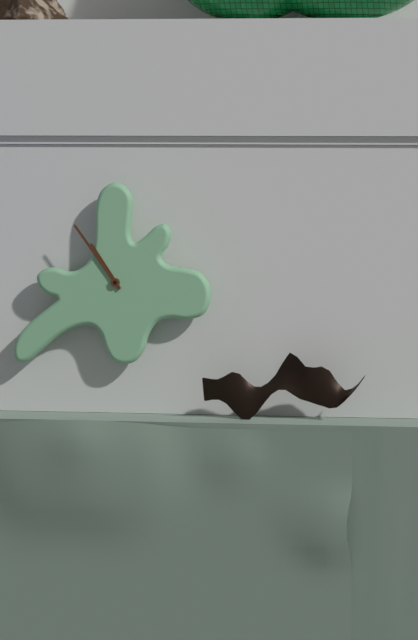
**10:54**
